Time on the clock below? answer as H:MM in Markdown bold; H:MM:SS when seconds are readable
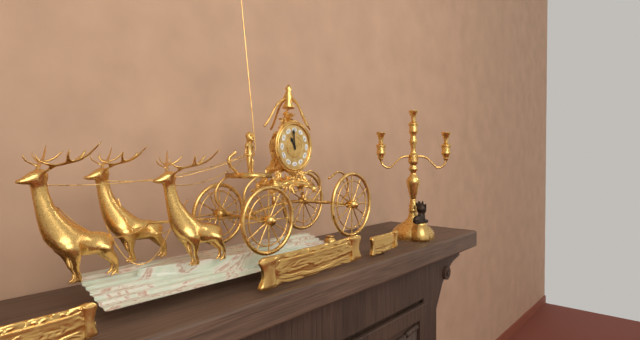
**10:59**
